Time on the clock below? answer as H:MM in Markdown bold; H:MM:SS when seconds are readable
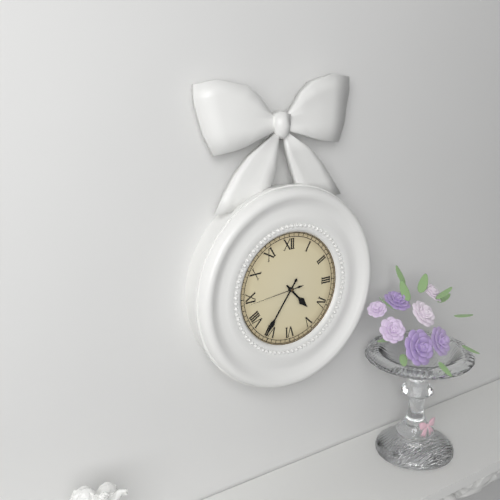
**4:36:44**
